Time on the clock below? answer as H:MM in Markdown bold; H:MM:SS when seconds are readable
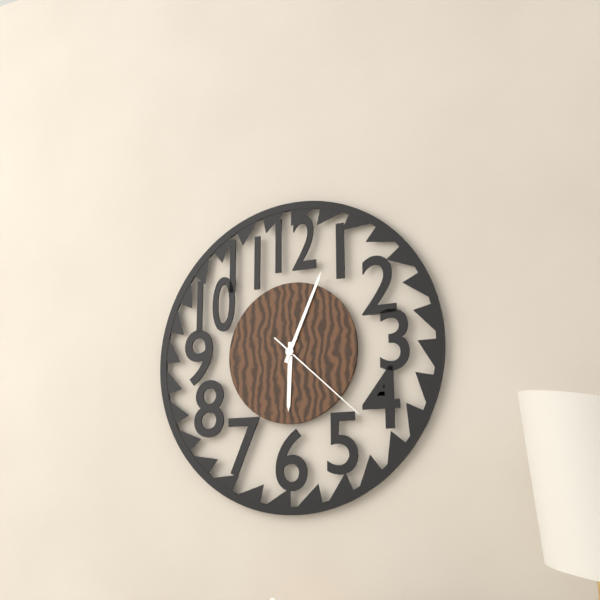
**6:04:22**
